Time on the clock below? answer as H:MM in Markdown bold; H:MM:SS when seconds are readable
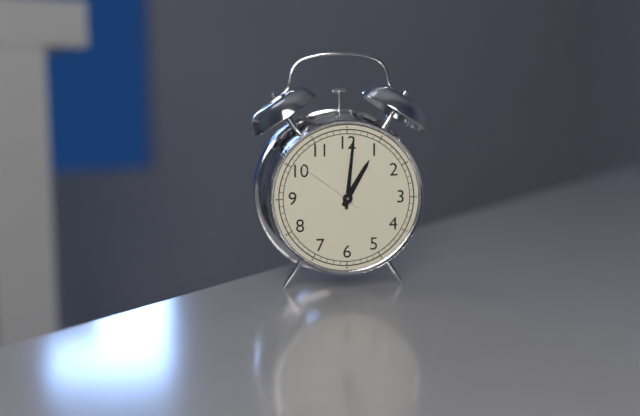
**1:01:51**
